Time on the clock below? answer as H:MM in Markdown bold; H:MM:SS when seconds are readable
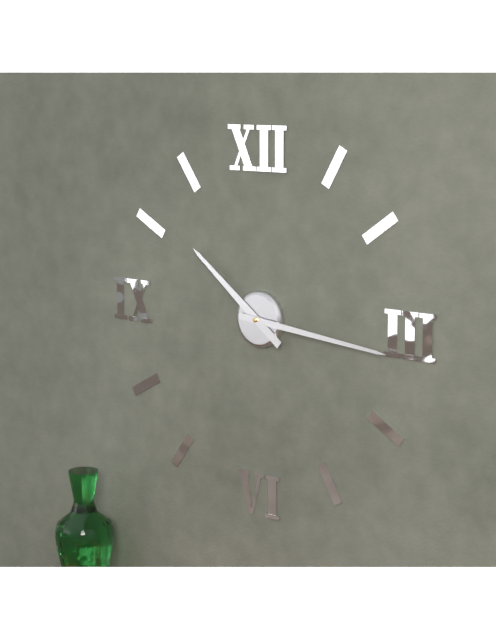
**10:16**
